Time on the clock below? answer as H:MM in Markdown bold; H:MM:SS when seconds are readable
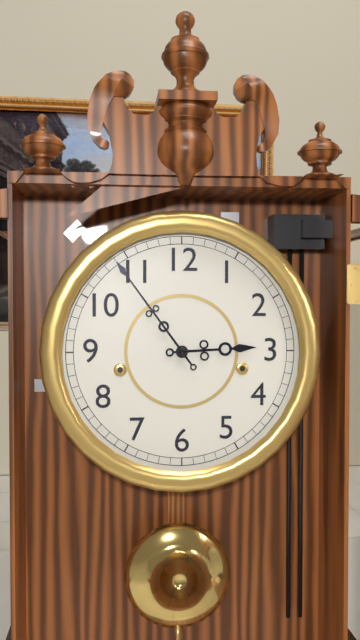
**2:54**
